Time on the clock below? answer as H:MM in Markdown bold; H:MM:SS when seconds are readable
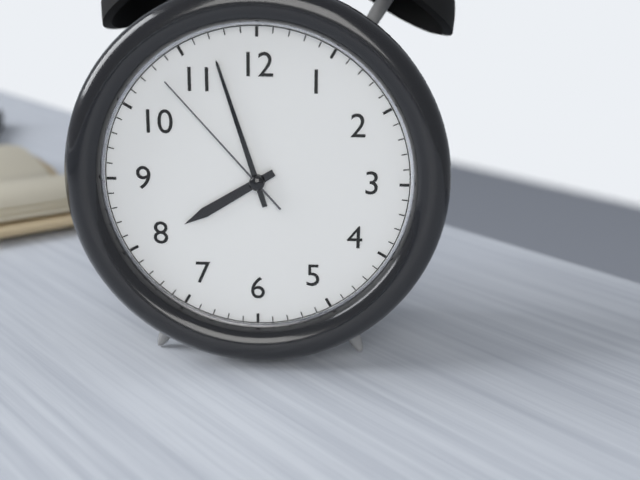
**7:57:53**
